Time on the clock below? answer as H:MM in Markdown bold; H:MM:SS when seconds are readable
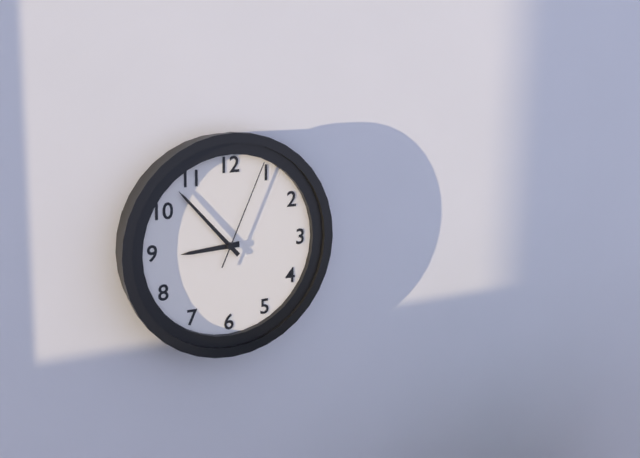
**8:53:04**
